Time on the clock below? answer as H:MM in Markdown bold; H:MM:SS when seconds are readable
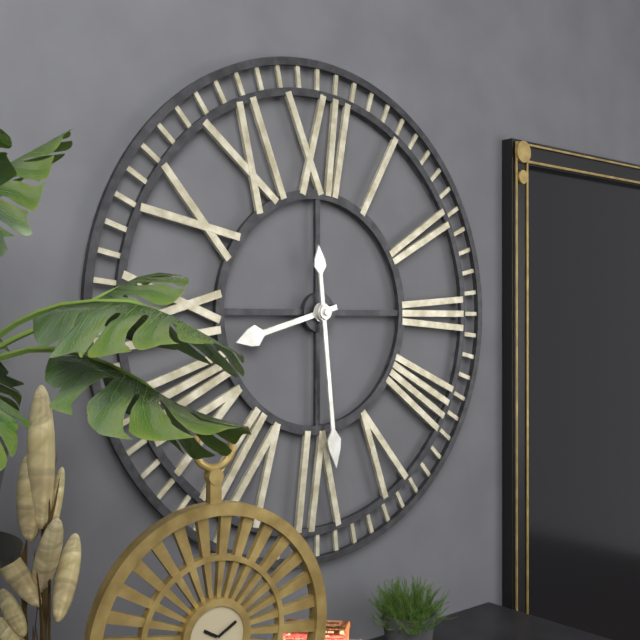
**8:29**
